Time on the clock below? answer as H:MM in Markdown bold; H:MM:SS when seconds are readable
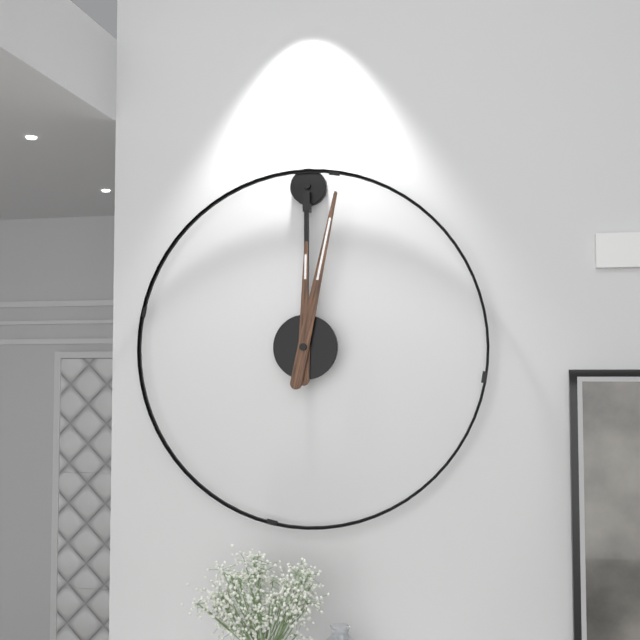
**12:02**
